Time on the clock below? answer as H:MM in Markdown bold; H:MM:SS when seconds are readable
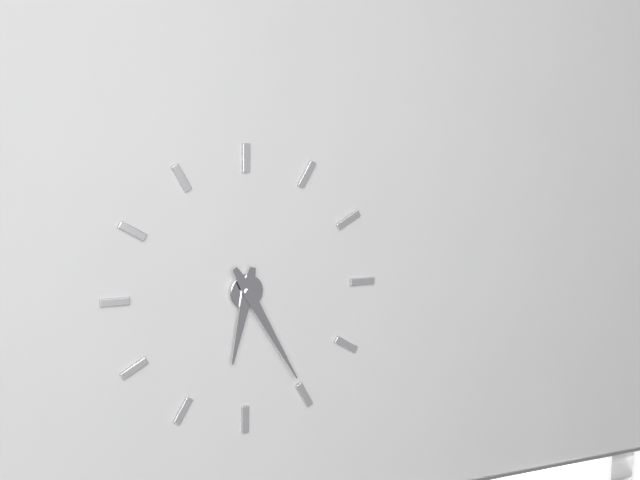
**6:25**
